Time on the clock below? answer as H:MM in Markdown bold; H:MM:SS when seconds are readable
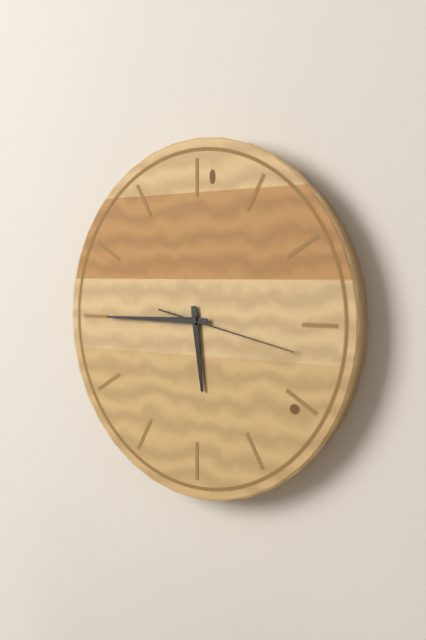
**5:45:17**
